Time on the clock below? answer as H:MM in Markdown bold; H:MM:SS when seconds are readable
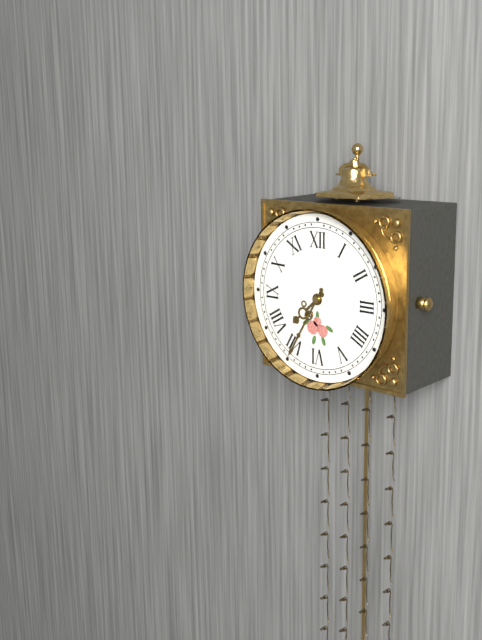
**7:35**
